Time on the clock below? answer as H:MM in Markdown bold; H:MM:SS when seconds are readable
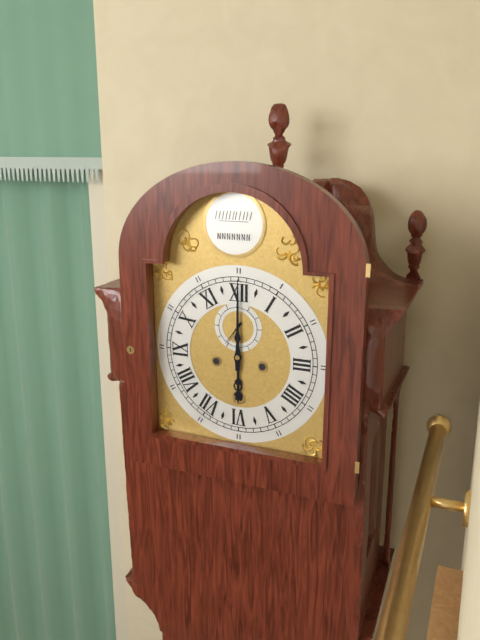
**6:00**
